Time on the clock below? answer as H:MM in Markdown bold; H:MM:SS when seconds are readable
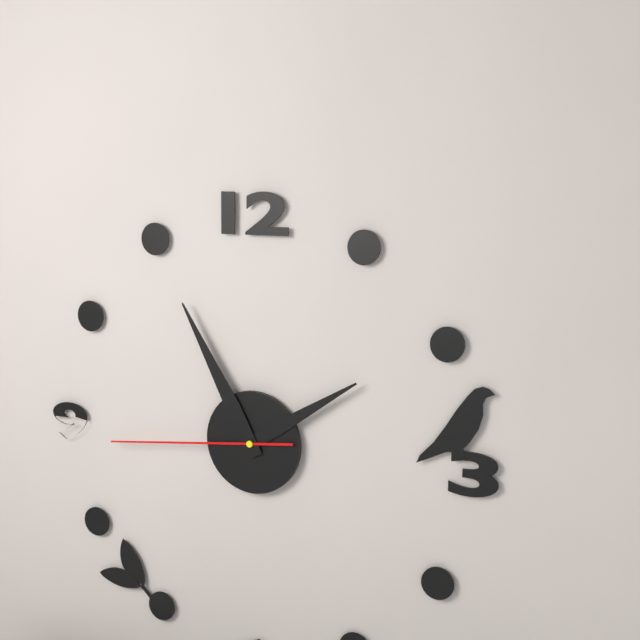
**1:55:44**
